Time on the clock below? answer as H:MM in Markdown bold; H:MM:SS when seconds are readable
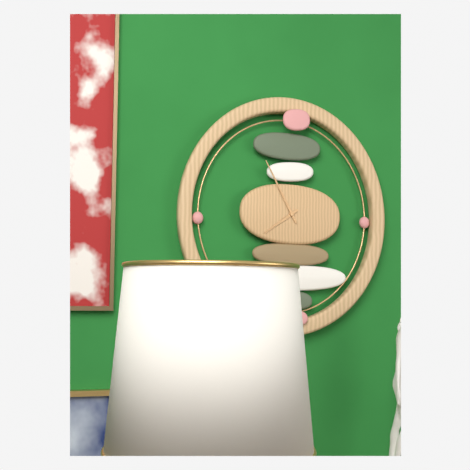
**7:55**
